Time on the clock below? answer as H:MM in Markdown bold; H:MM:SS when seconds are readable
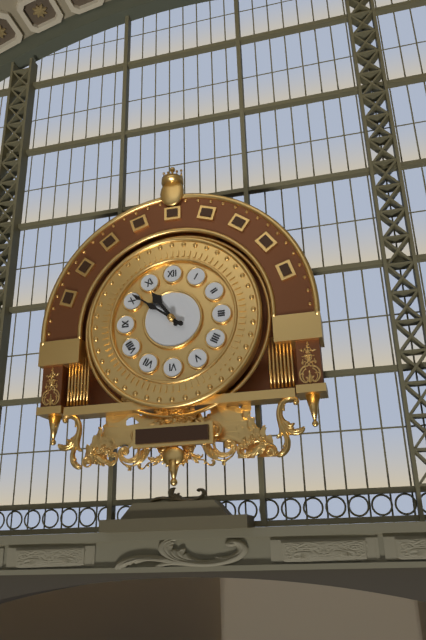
**10:51**
